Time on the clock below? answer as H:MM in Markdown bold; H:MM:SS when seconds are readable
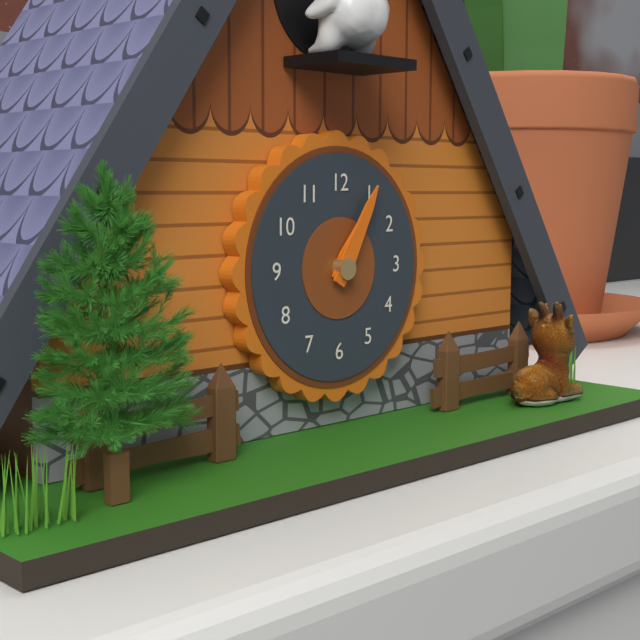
**1:05**
